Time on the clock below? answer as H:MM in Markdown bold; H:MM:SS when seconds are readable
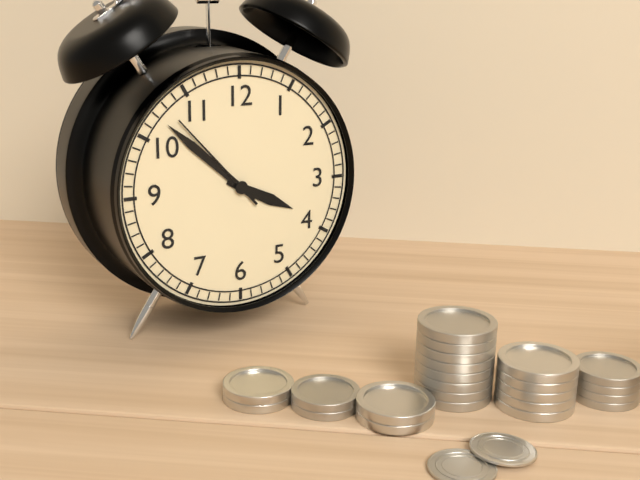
**3:52:53**
